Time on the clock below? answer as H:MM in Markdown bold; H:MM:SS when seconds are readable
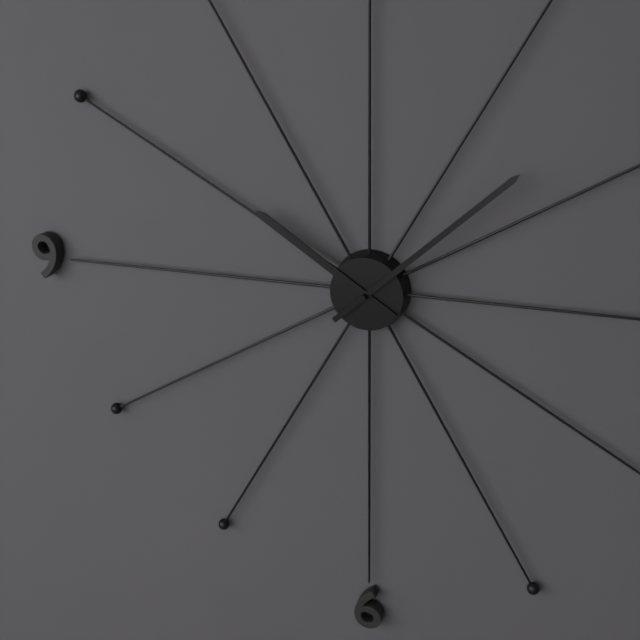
**10:08**
